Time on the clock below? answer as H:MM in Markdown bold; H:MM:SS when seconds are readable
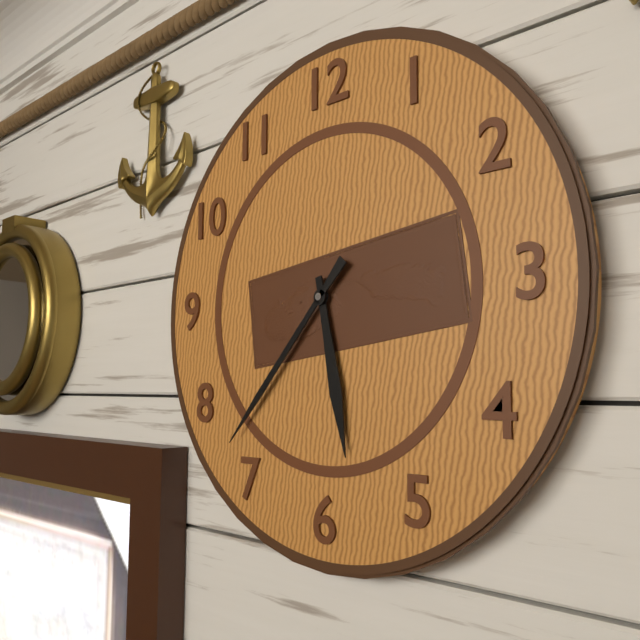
**5:37**
